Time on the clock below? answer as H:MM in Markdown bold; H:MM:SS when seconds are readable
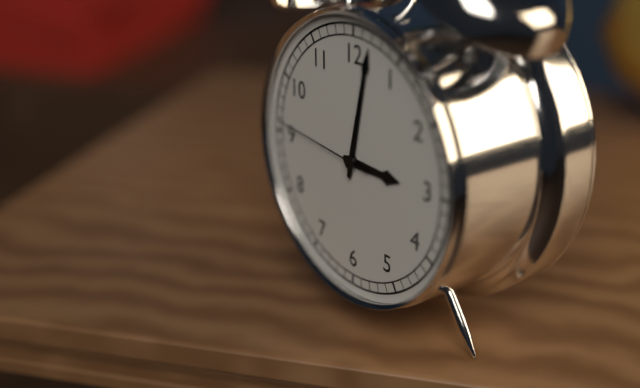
**3:02:46**
